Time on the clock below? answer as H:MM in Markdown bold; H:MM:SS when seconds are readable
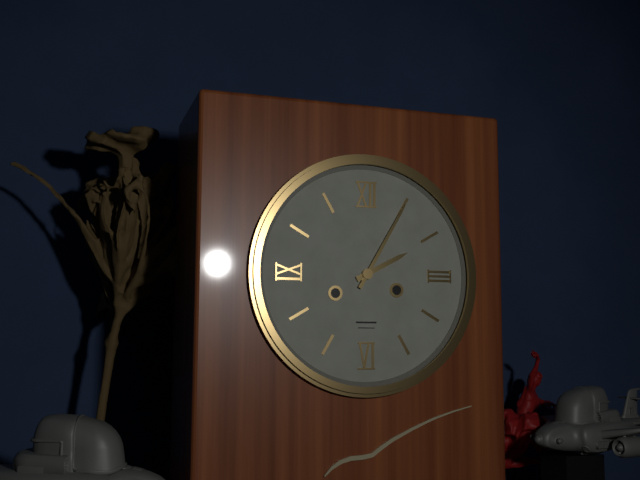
**2:05**
